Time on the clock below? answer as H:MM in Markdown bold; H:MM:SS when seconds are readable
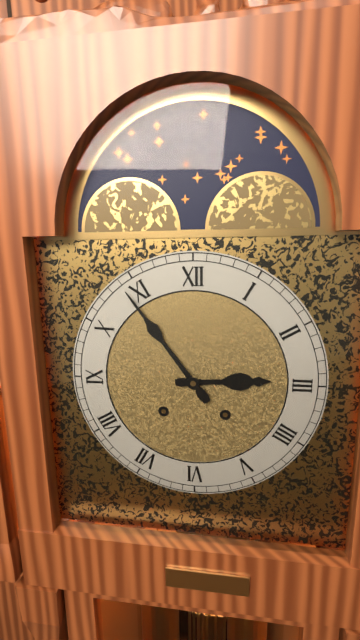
**2:54**
